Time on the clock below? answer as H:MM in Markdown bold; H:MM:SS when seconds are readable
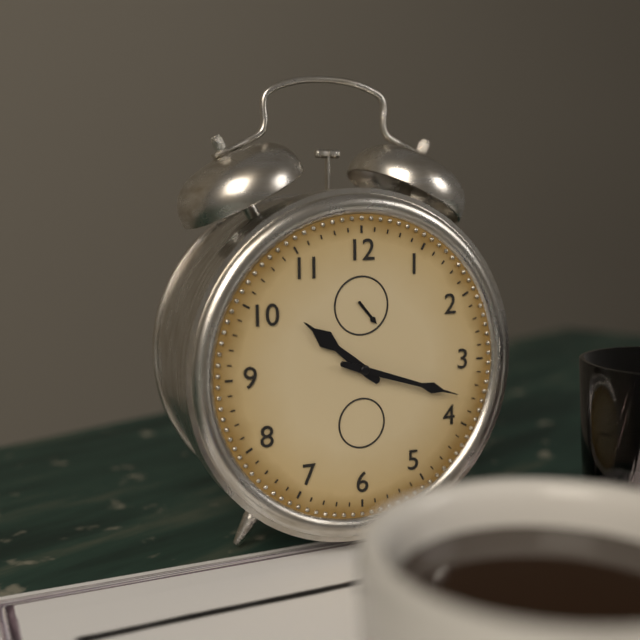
**10:18**
